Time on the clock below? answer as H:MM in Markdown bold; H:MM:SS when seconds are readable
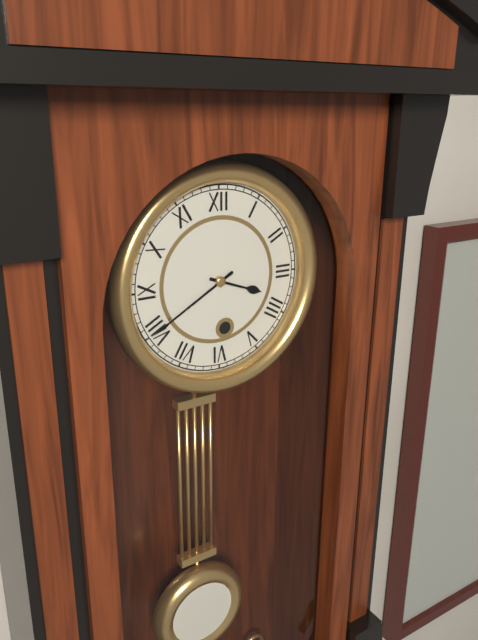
**3:40**
